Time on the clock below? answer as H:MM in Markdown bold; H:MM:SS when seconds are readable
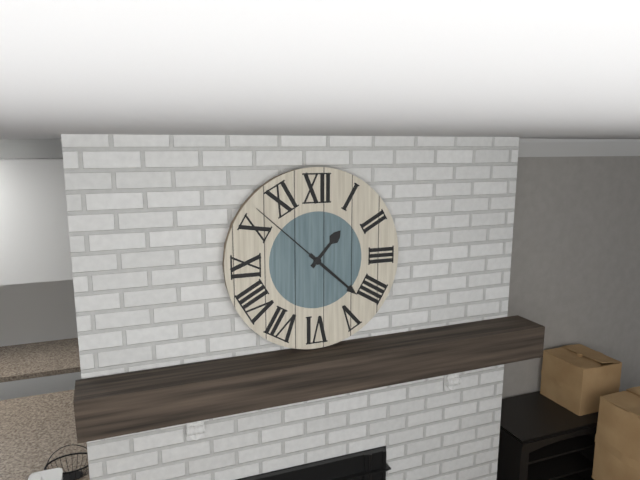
**1:22:52**
